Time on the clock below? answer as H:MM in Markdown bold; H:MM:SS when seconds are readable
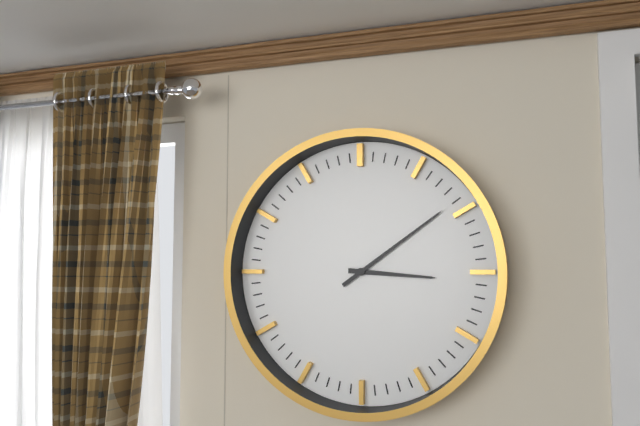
**3:09**
